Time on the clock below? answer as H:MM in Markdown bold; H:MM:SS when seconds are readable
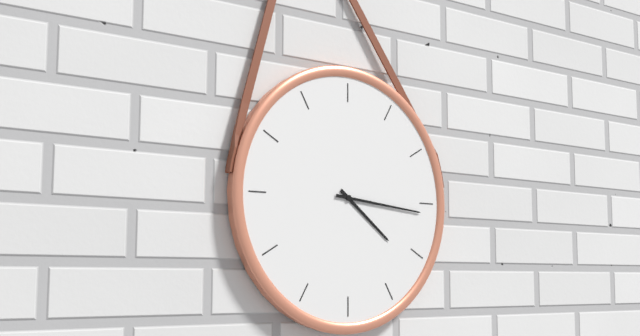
**4:16**
